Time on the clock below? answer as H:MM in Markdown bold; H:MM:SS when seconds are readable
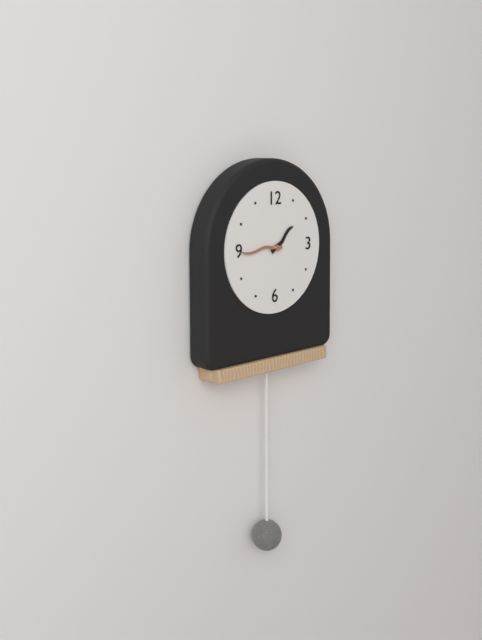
**1:45**
